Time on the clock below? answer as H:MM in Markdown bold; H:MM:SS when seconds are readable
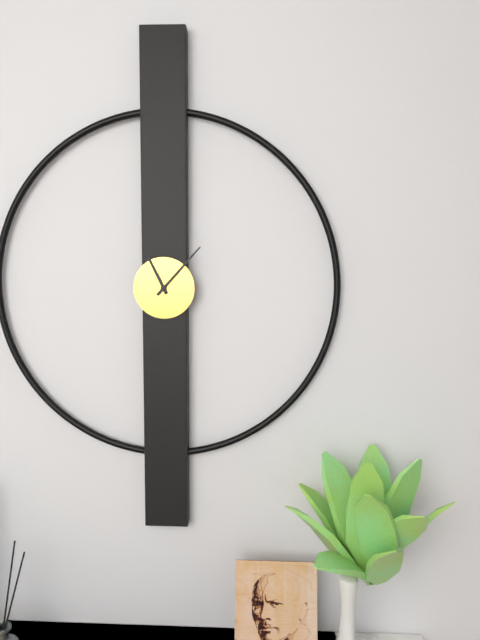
**11:07**
